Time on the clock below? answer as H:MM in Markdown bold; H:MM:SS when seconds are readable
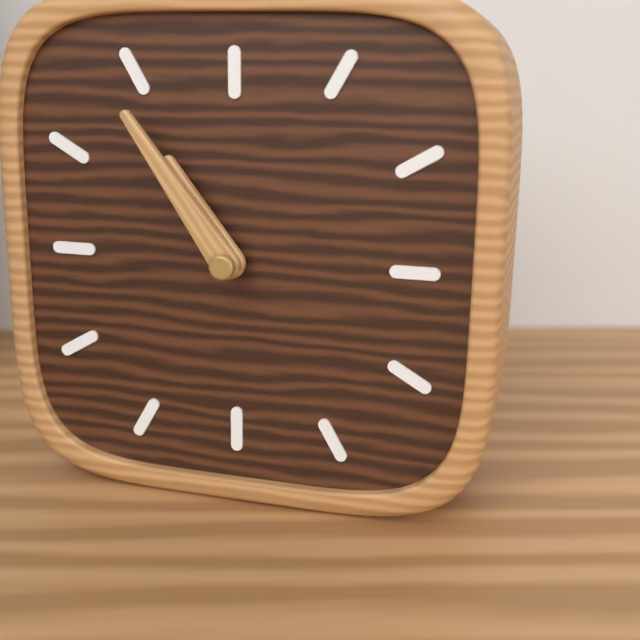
**10:54**
